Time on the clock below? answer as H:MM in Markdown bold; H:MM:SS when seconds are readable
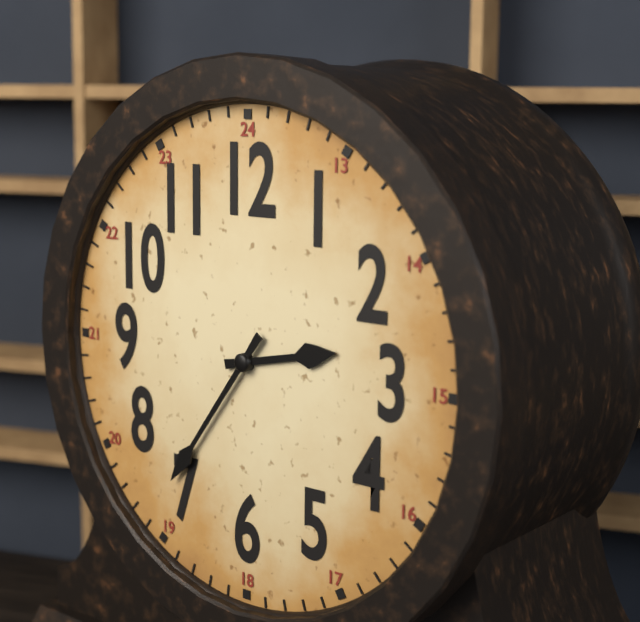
**2:36**
